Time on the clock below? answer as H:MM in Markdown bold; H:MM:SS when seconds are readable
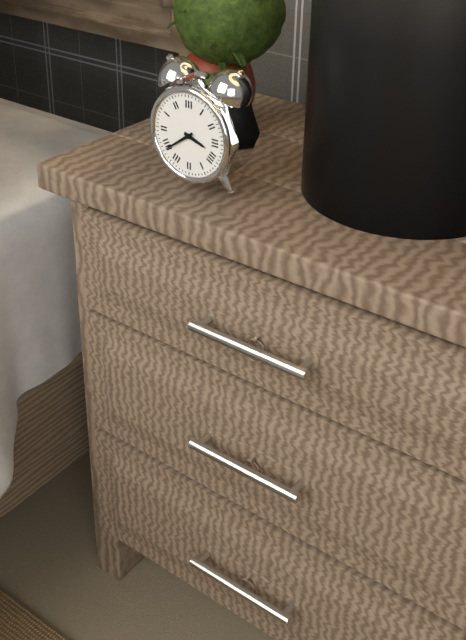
**3:39**
